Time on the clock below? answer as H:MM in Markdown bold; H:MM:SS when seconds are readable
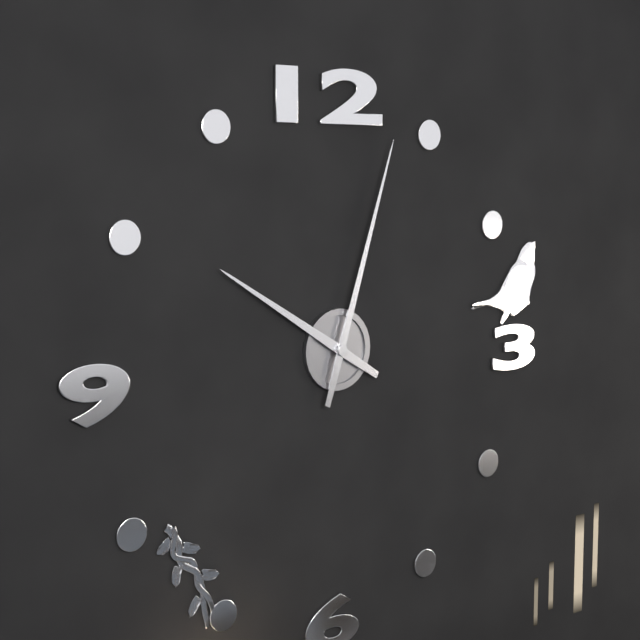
**10:03**
